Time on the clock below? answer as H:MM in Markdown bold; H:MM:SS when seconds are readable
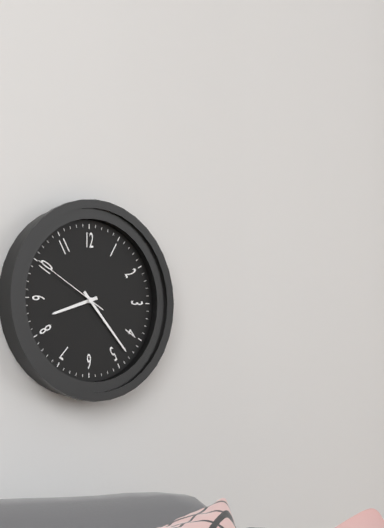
**8:23:50**
